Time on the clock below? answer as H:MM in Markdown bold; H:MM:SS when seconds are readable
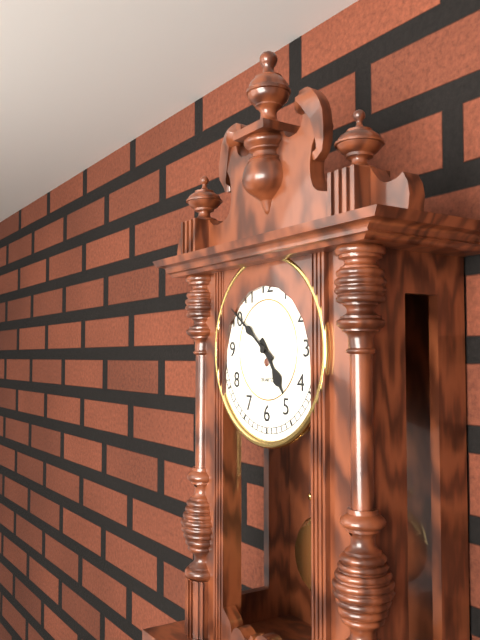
**4:51**
